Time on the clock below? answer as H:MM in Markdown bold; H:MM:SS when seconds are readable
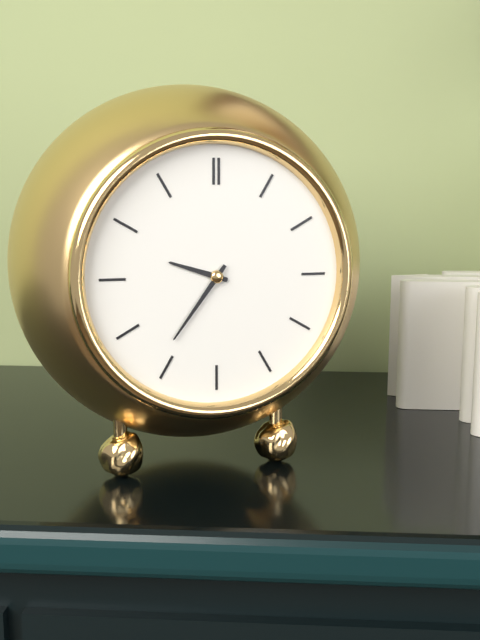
**9:36**
